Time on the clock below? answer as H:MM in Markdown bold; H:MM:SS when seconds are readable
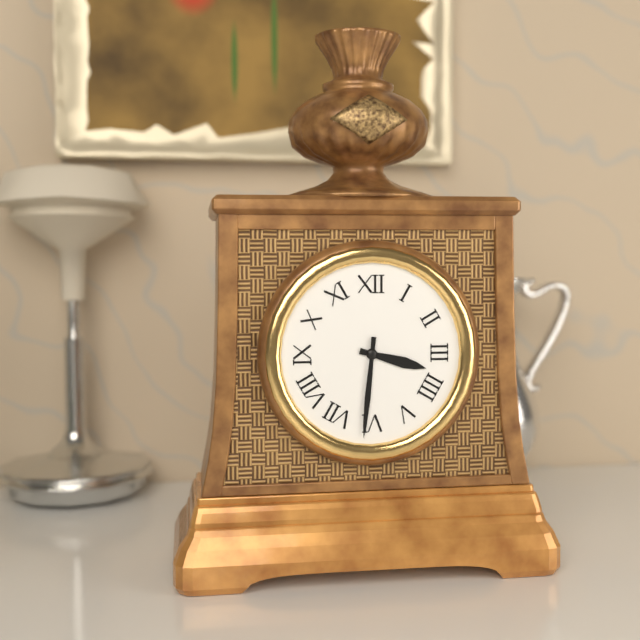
**3:31**
